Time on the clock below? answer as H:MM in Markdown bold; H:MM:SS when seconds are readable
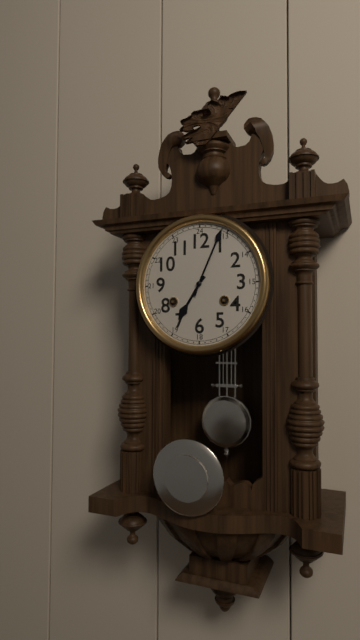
**7:04**
